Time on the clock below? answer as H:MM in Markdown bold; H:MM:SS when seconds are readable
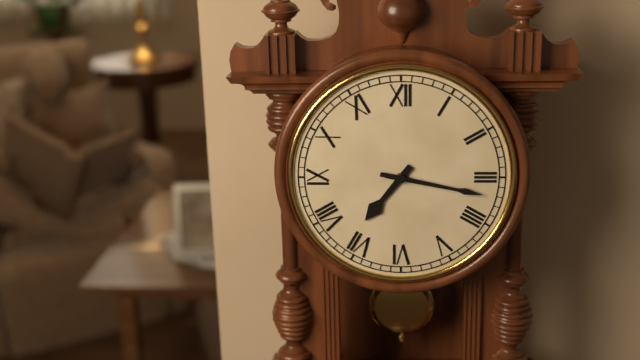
**7:17**
